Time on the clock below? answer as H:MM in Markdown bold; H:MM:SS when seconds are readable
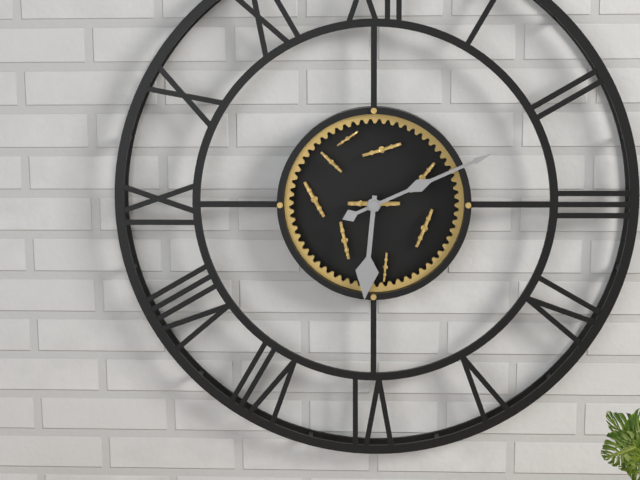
**6:11**
